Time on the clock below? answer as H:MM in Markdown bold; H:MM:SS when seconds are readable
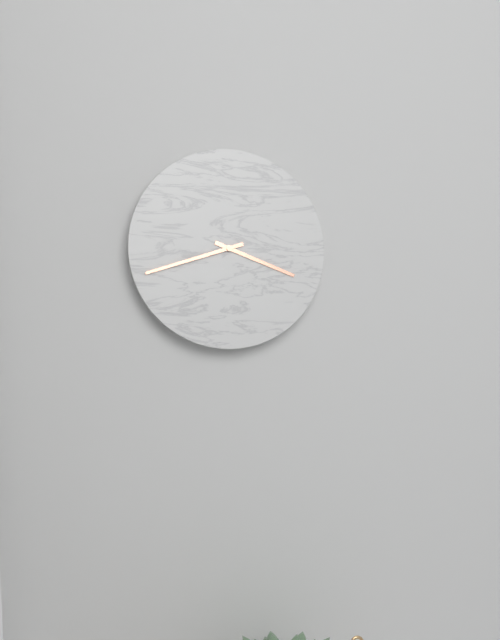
**3:42**
